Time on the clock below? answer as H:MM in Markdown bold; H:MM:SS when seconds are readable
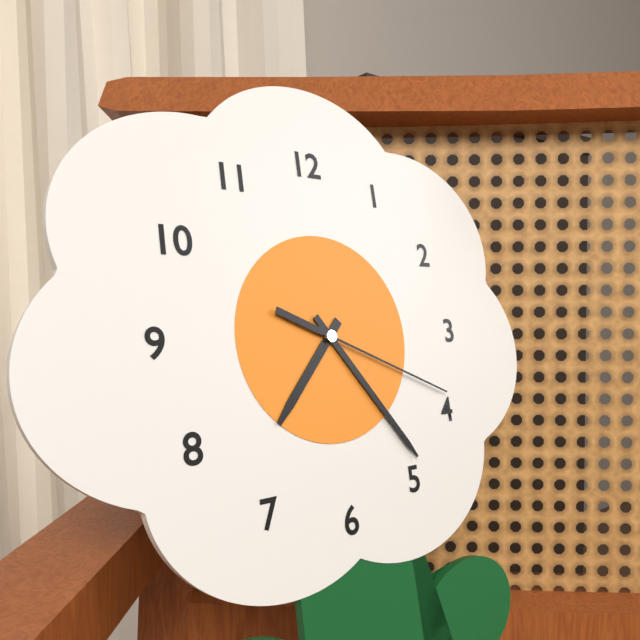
**7:24:19**
